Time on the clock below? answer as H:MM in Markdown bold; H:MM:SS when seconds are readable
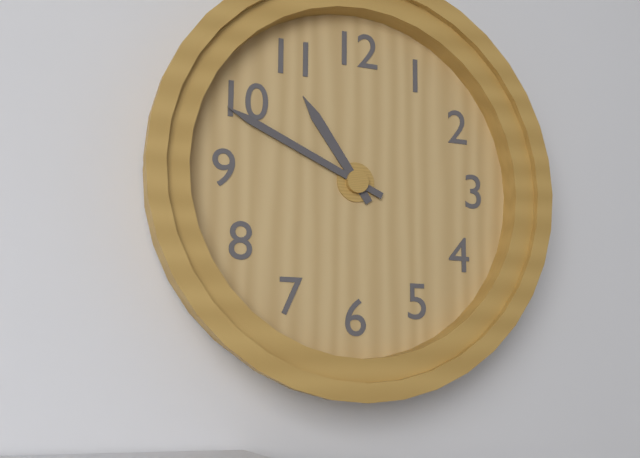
**10:49**
